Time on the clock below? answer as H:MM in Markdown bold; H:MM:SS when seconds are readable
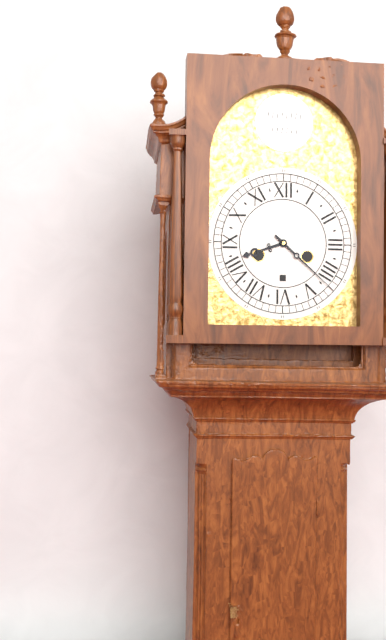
**8:22**
